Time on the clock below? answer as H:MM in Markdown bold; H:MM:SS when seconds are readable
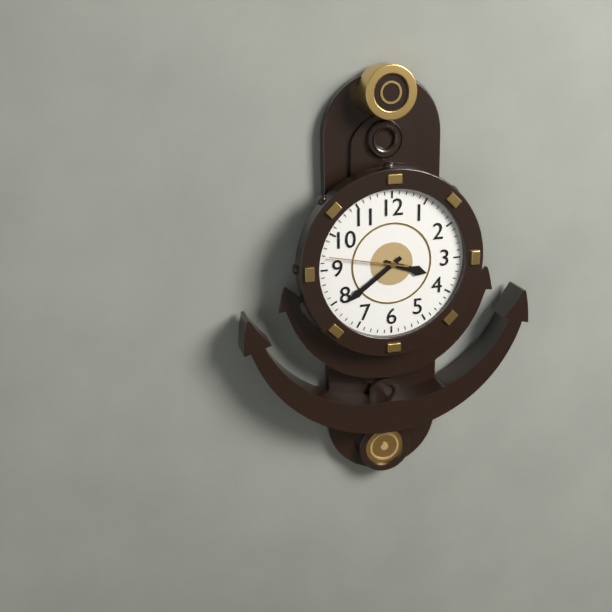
**3:39:47**
